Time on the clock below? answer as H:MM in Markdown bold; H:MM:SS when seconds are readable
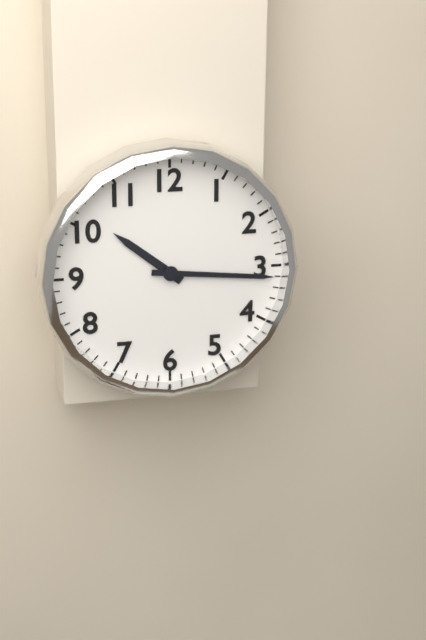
**10:16**
